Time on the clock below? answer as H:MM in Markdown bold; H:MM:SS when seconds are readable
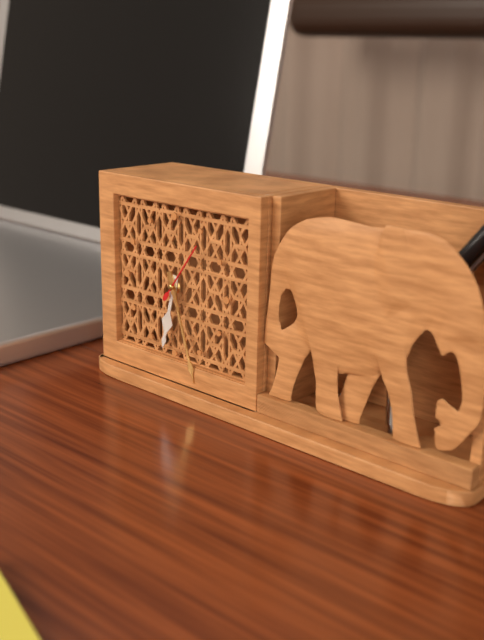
**6:27:06**
